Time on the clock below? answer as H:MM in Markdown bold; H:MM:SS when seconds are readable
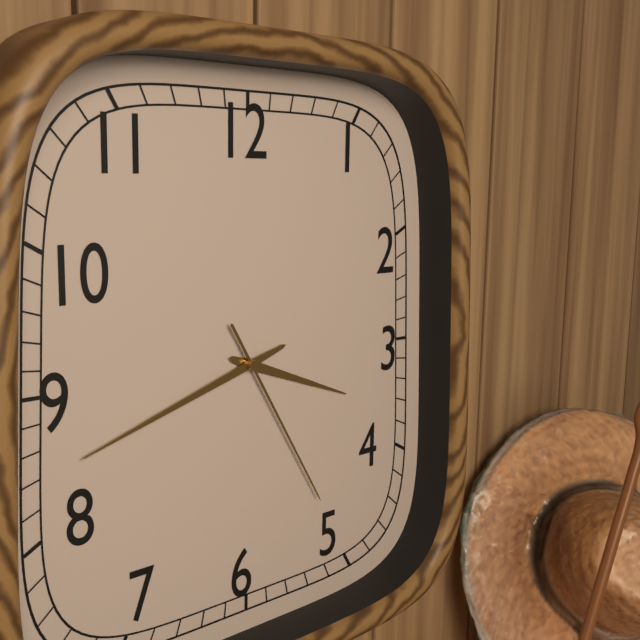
**3:42:25**
